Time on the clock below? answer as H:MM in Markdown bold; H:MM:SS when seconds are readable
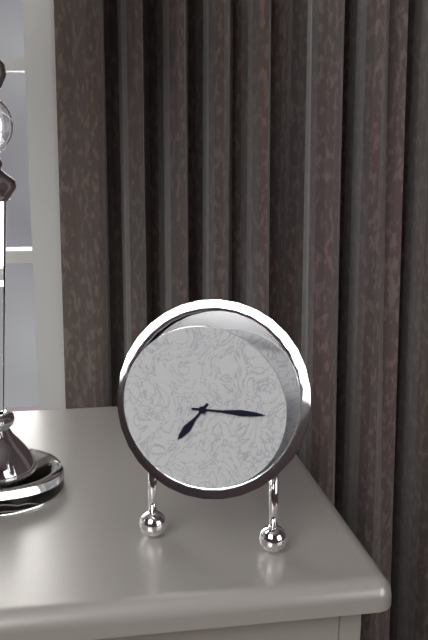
**7:15**
